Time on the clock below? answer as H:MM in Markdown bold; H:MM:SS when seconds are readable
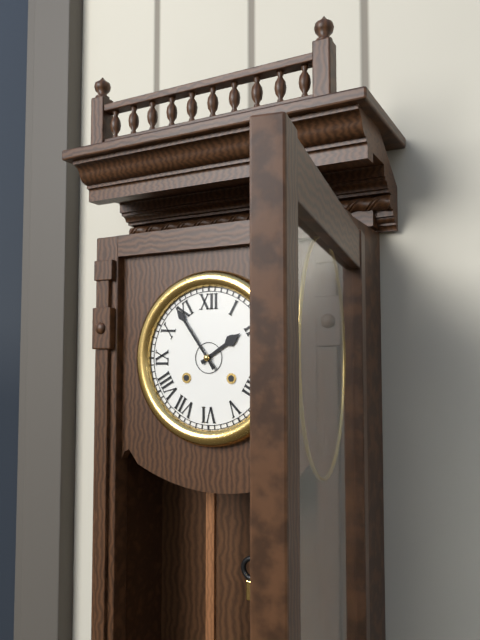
**1:54**
